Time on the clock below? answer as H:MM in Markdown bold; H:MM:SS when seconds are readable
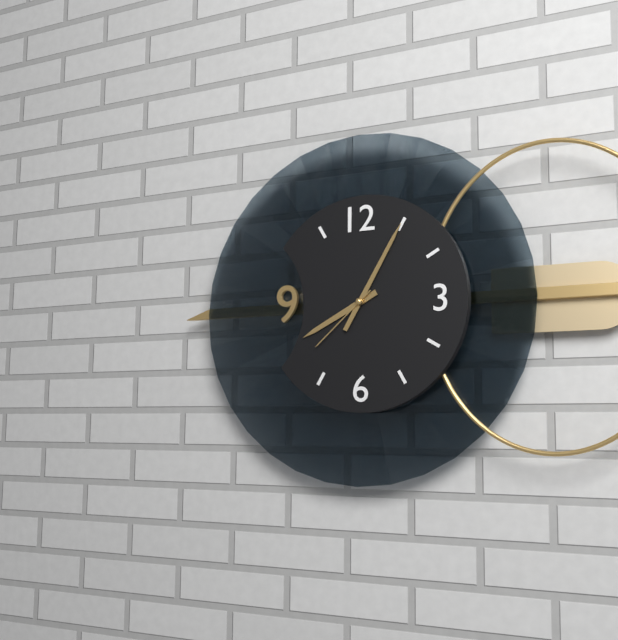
**8:05:38**
